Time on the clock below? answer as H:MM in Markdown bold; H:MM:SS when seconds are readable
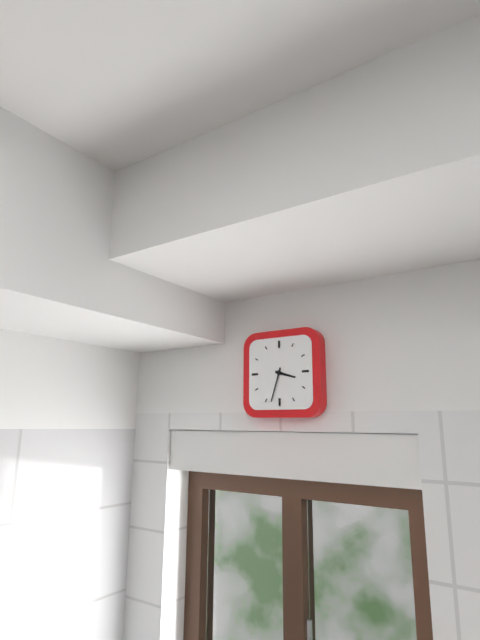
**3:33**
